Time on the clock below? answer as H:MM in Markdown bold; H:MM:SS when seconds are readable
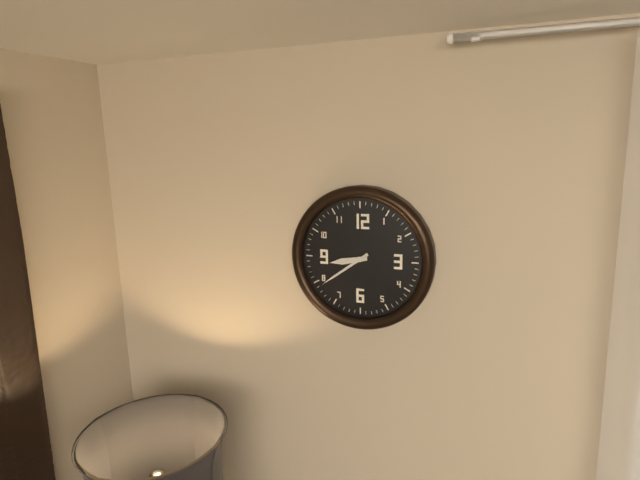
**8:39**
